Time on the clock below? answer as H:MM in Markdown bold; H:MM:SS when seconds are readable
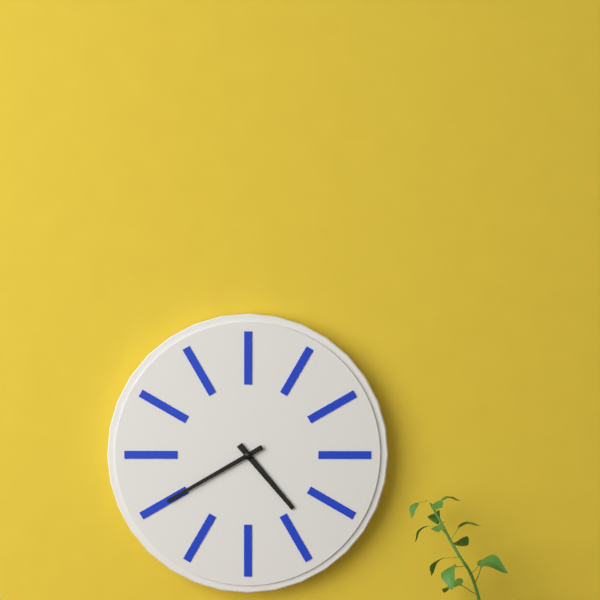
**4:40**
